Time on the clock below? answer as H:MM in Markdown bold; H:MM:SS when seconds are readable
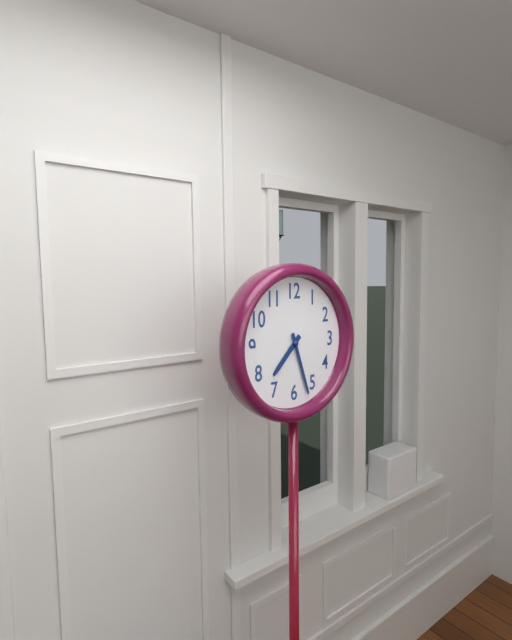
**7:27**
